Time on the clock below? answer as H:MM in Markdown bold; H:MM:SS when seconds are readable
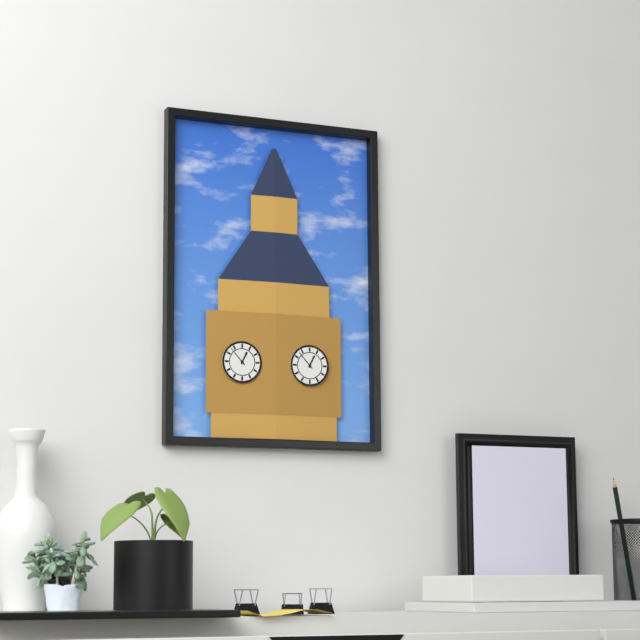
**12:53**
